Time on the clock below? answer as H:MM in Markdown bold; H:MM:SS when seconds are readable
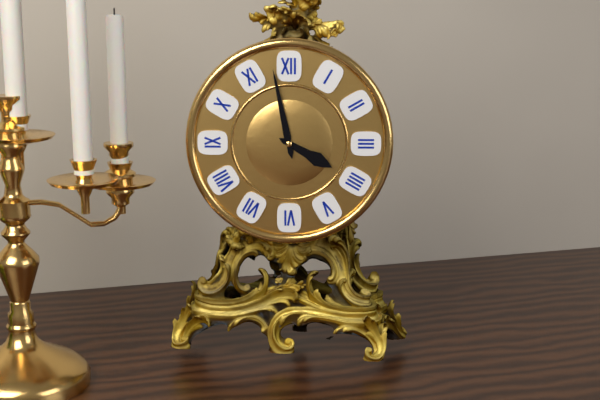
**3:58**
